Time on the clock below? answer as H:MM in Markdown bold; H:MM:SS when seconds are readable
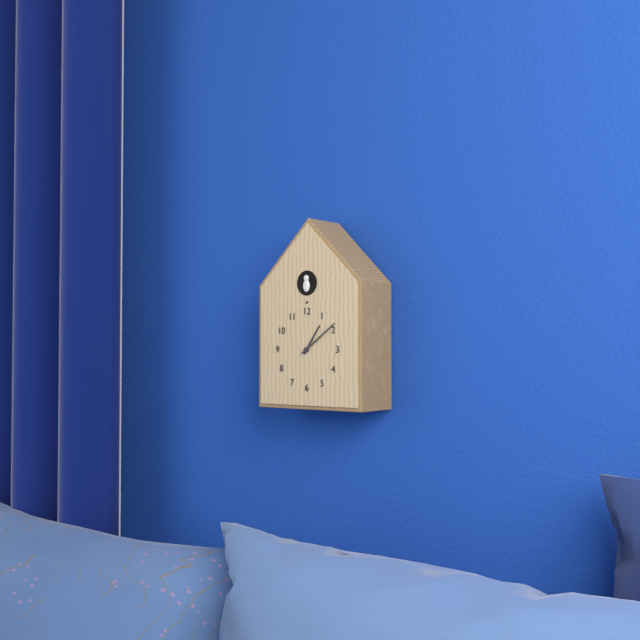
**1:09**
